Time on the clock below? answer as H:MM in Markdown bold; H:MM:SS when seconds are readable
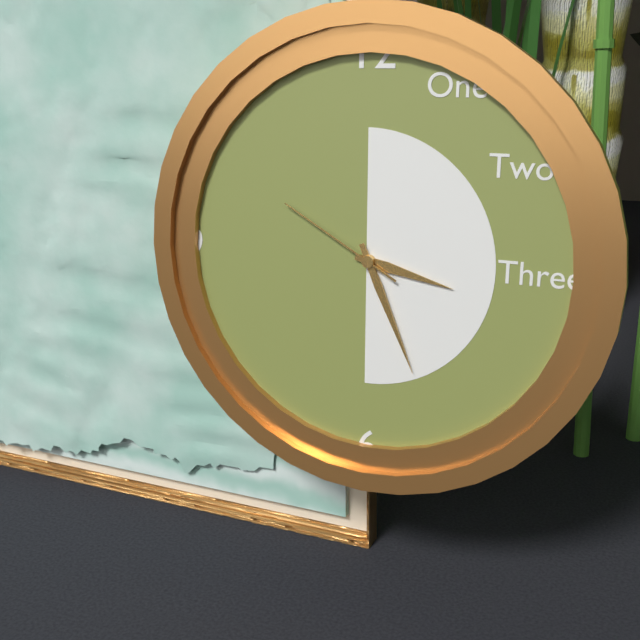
**3:26:50**
